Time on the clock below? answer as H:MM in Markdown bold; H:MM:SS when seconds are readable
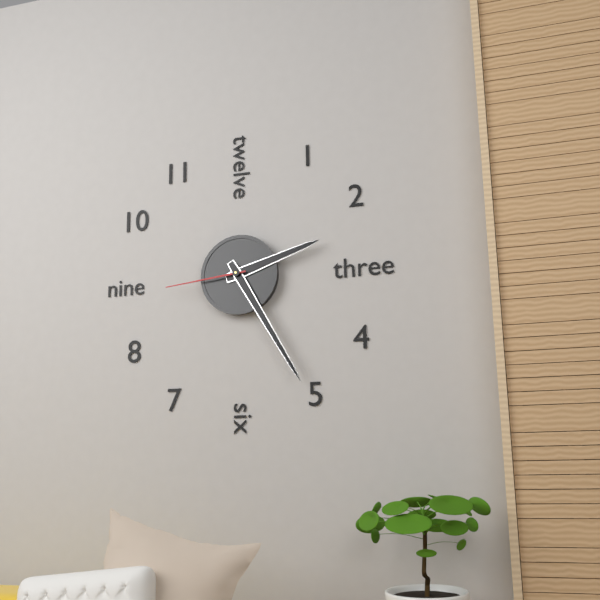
**2:25:44**
